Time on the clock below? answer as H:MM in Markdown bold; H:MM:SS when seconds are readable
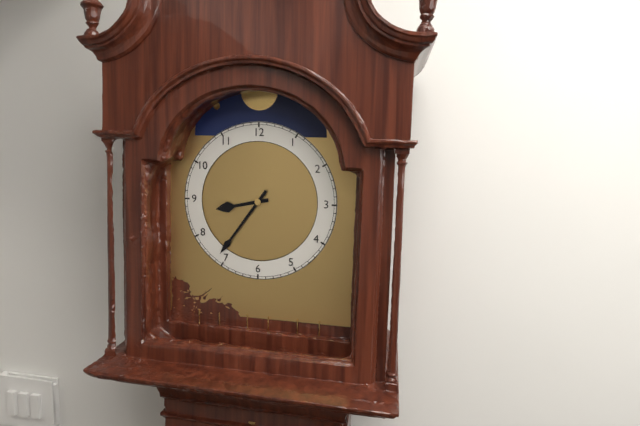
**8:36**
